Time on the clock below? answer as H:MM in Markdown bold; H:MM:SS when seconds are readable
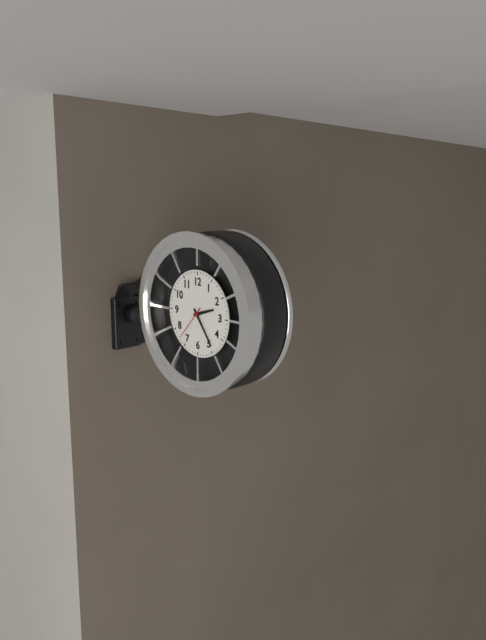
**2:24:37**
